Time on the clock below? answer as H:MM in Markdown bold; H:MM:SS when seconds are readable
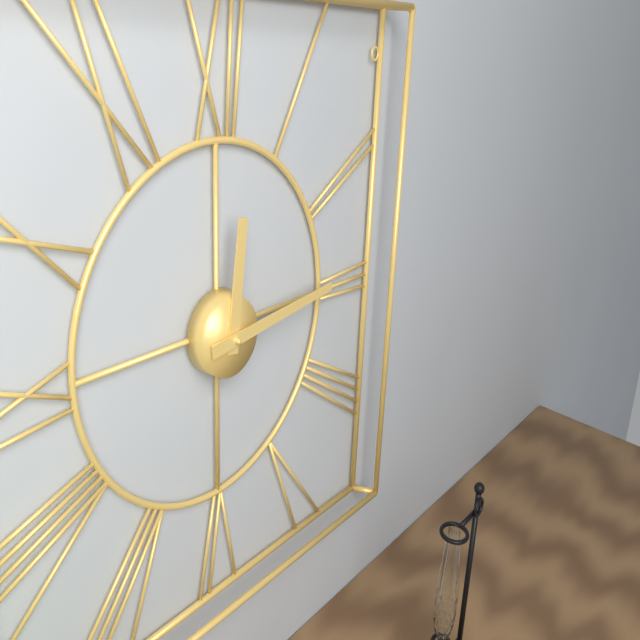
**12:14**
